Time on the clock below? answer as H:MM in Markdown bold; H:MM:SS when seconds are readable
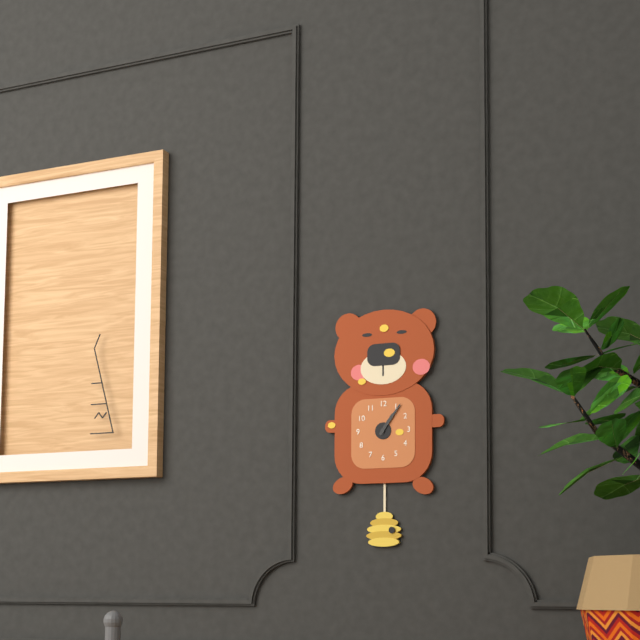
**1:06**
